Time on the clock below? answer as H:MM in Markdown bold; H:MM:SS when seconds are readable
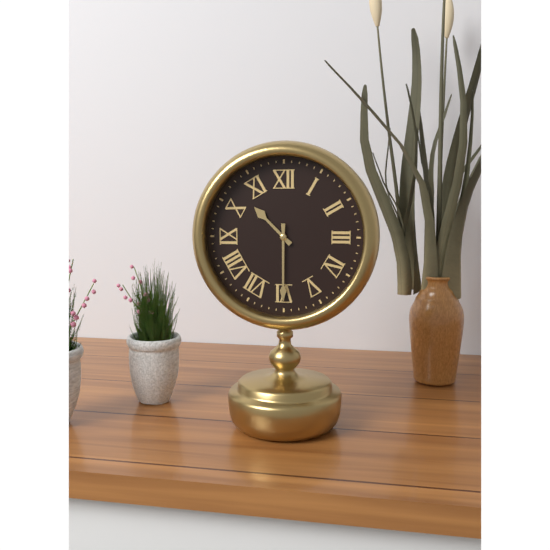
**10:30**
